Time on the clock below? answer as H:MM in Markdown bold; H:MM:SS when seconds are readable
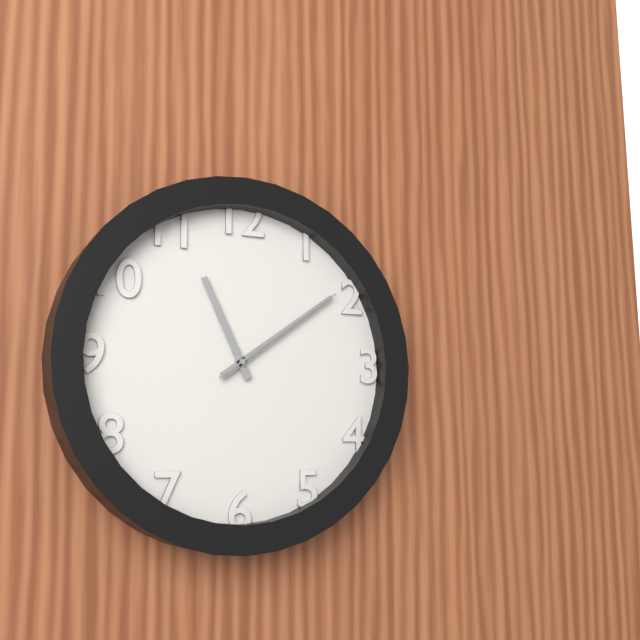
**11:09:09**
